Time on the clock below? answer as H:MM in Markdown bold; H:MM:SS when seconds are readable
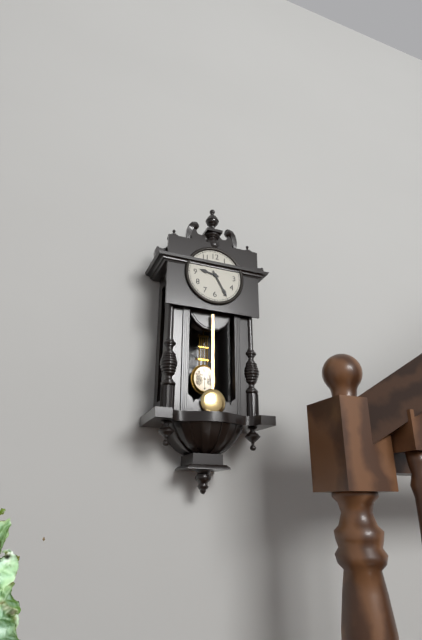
**9:25**
